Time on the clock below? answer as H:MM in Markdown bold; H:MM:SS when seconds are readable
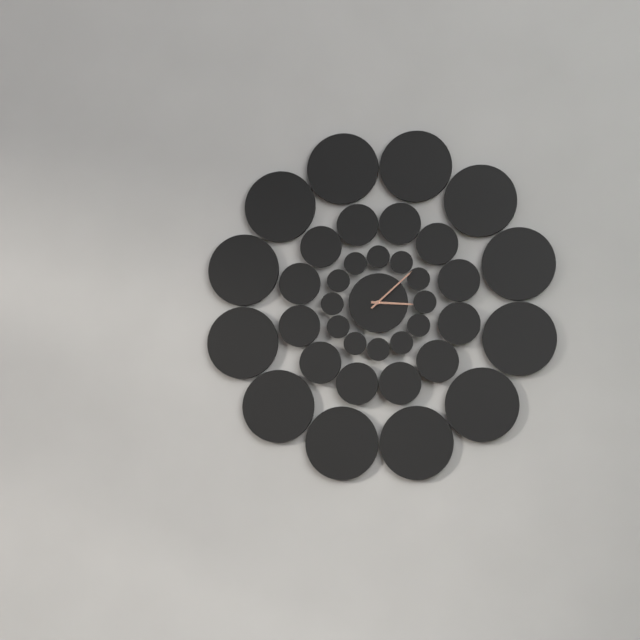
**3:08**
